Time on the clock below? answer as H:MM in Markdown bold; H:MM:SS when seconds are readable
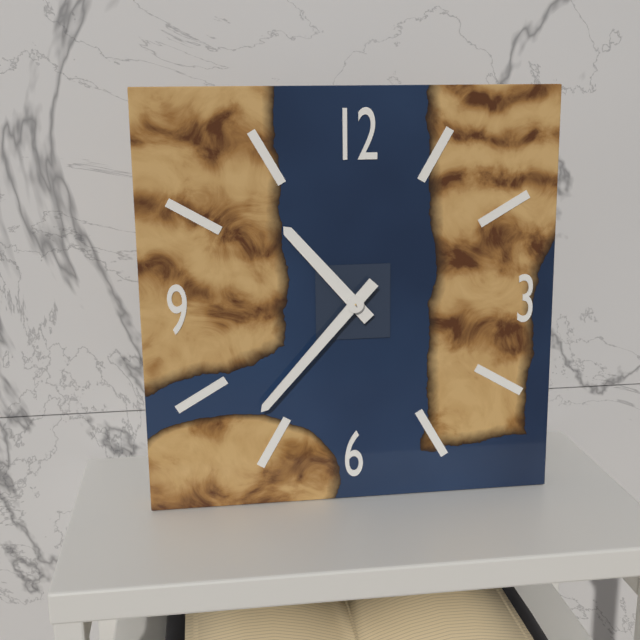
**10:37**
